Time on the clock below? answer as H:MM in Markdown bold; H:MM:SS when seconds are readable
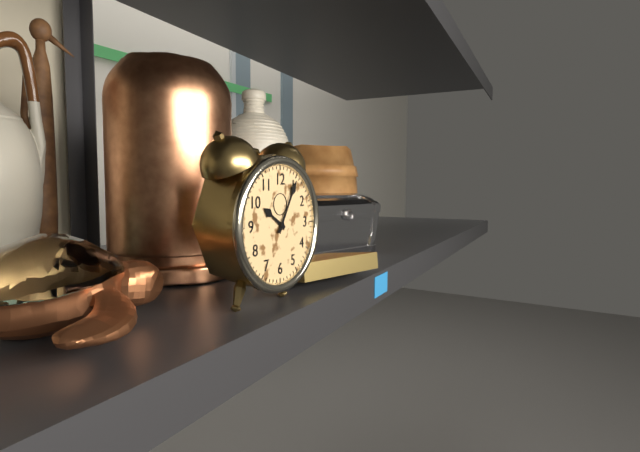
**10:05**
